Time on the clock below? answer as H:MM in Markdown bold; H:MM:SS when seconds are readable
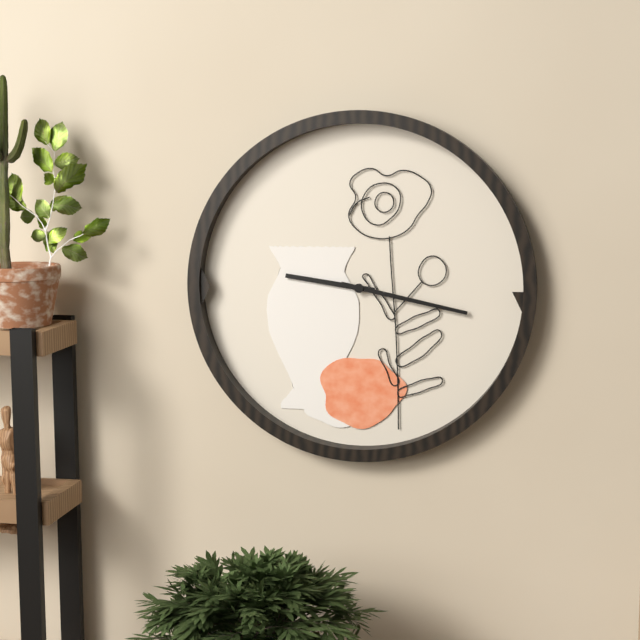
**9:17**
